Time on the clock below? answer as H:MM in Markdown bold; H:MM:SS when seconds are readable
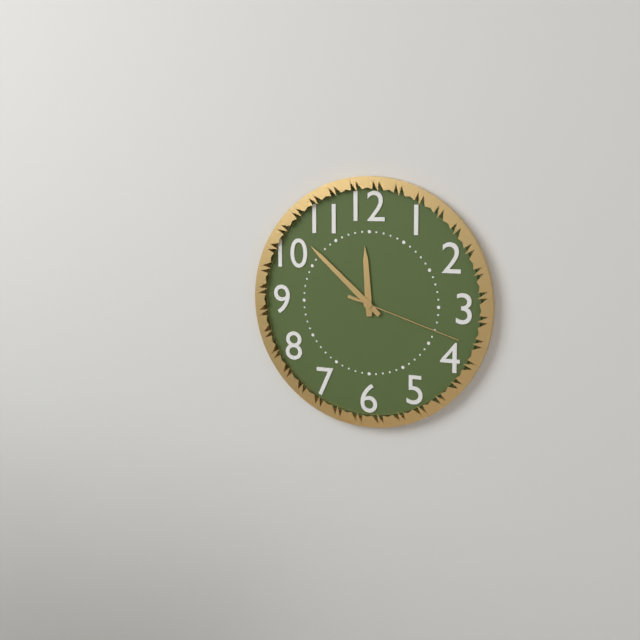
**11:52:18**
